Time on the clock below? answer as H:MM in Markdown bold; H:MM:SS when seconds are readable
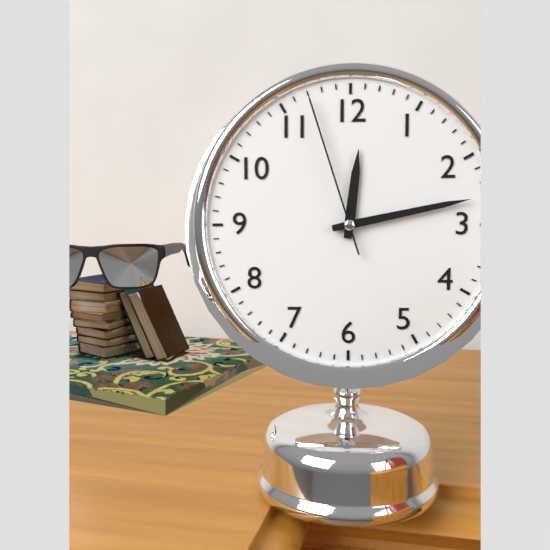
**12:13:57**
